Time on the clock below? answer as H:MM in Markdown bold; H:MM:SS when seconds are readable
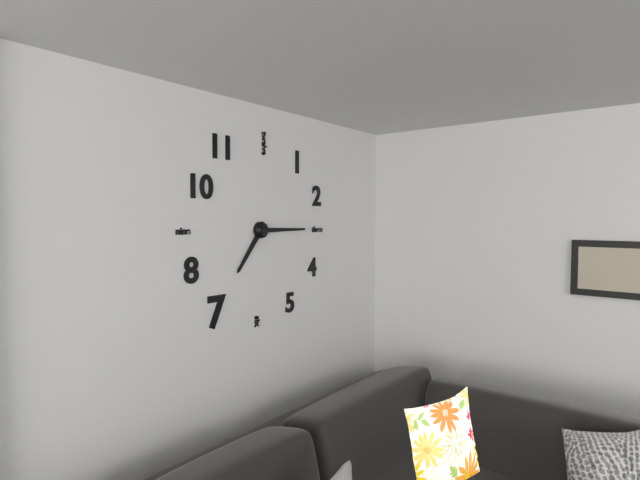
**7:15**
